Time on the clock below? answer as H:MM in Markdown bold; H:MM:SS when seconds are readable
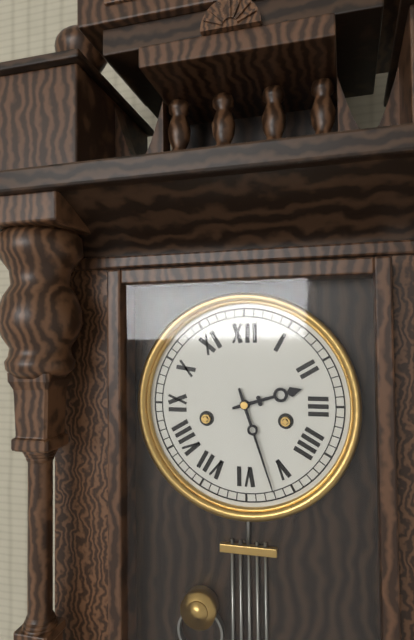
**2:27**
